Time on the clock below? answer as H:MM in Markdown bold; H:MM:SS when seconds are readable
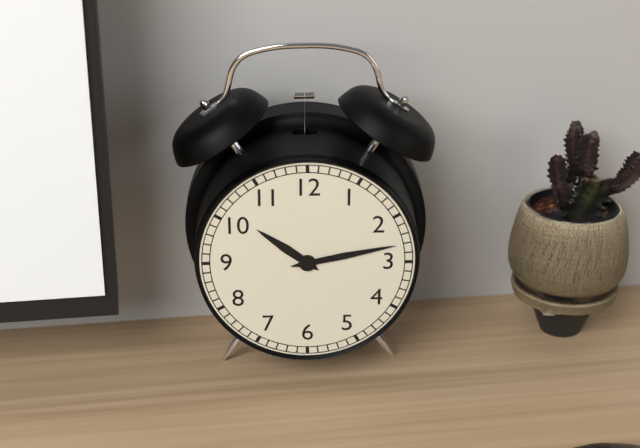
**10:13**
